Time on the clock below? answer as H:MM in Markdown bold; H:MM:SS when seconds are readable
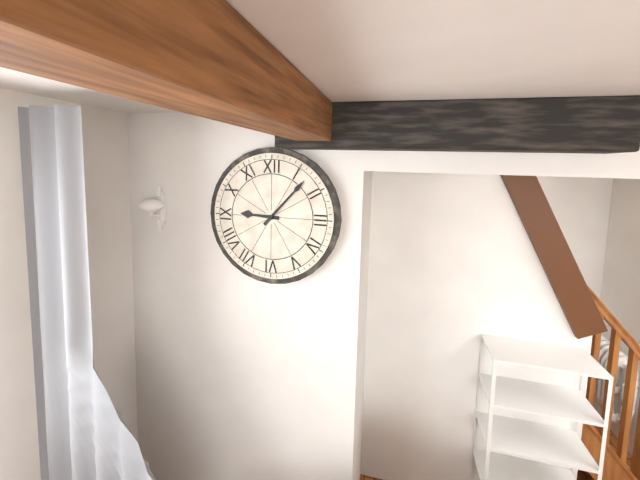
**9:07**
